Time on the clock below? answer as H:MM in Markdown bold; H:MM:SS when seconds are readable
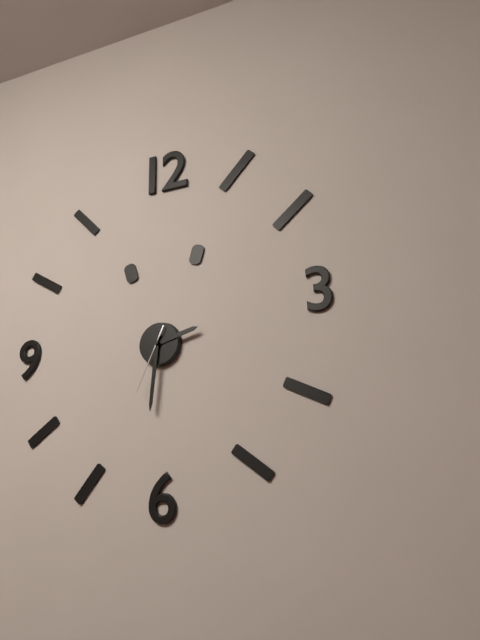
**2:31:34**
